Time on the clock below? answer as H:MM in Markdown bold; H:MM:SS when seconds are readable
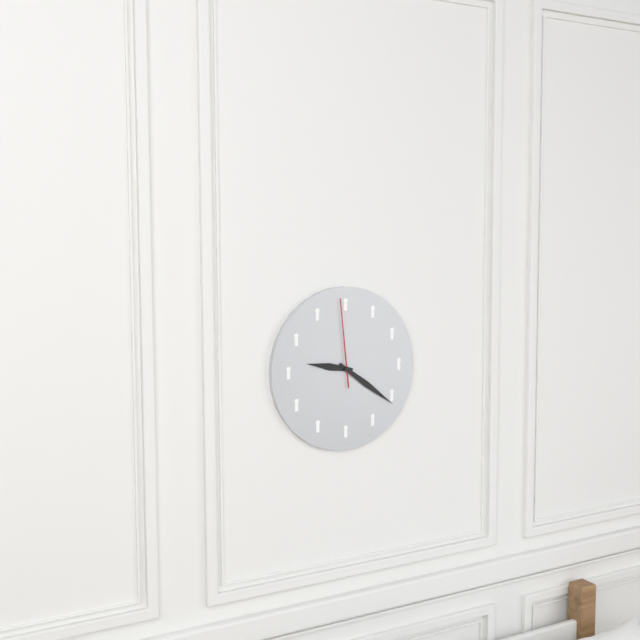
**9:21:59**
